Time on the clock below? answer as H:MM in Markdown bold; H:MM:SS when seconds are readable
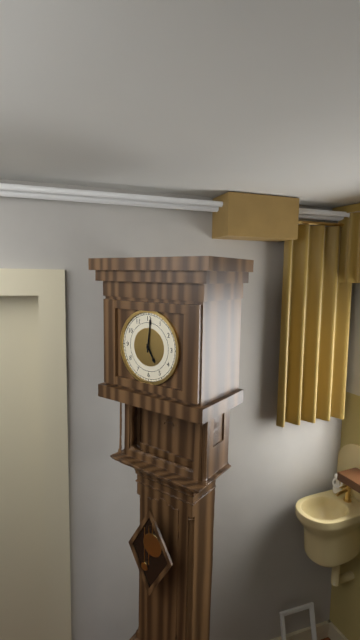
**5:01**
